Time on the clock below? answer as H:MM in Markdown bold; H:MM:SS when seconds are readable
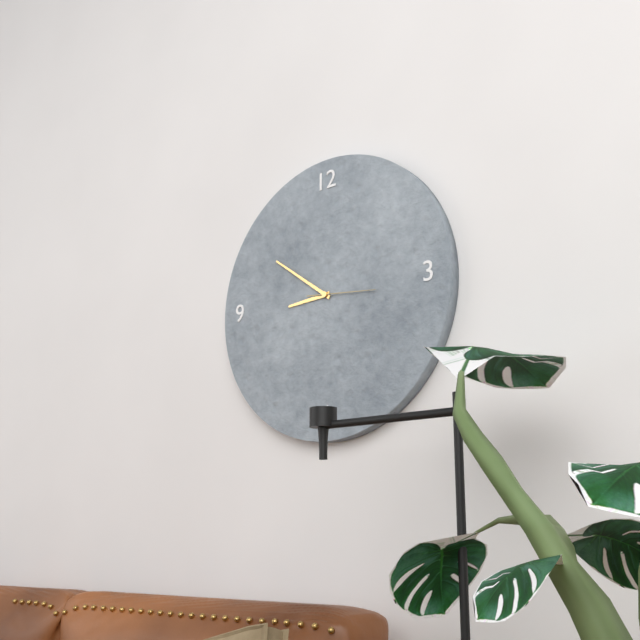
**8:51:16**
